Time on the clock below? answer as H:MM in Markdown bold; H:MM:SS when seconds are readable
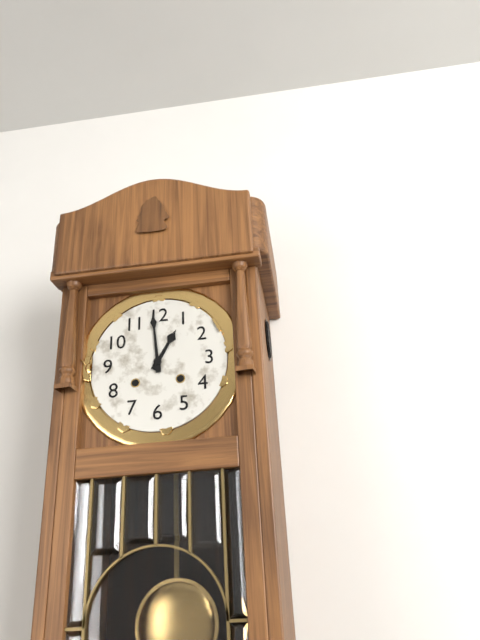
**12:59**
